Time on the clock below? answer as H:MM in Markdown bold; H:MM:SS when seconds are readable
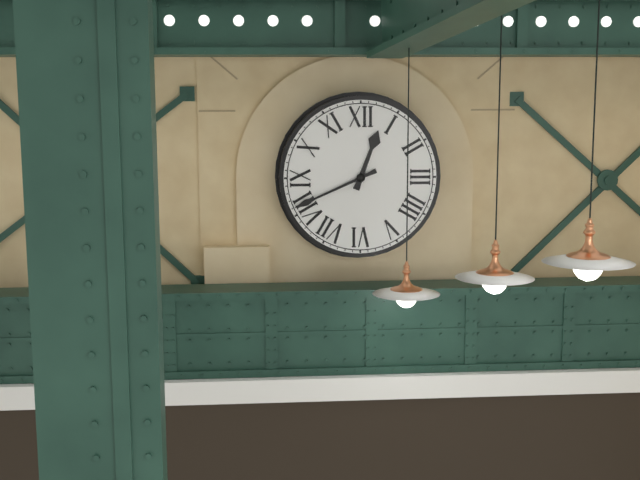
**12:41**
